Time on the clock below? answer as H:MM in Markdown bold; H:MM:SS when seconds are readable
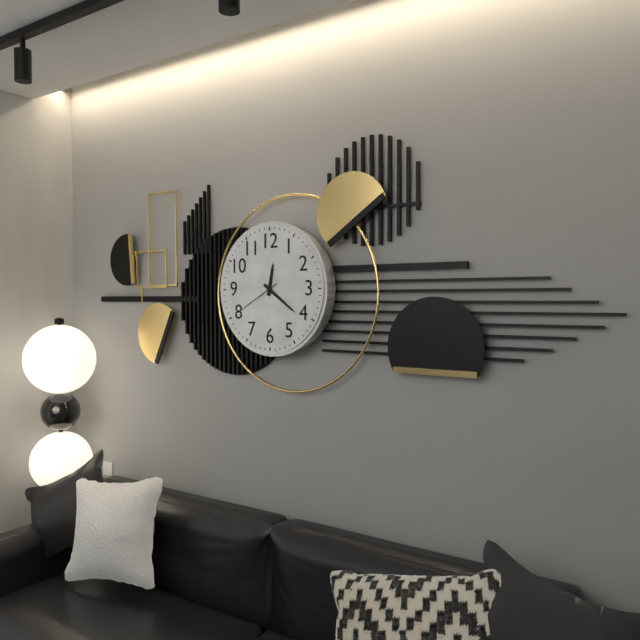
**12:21**
